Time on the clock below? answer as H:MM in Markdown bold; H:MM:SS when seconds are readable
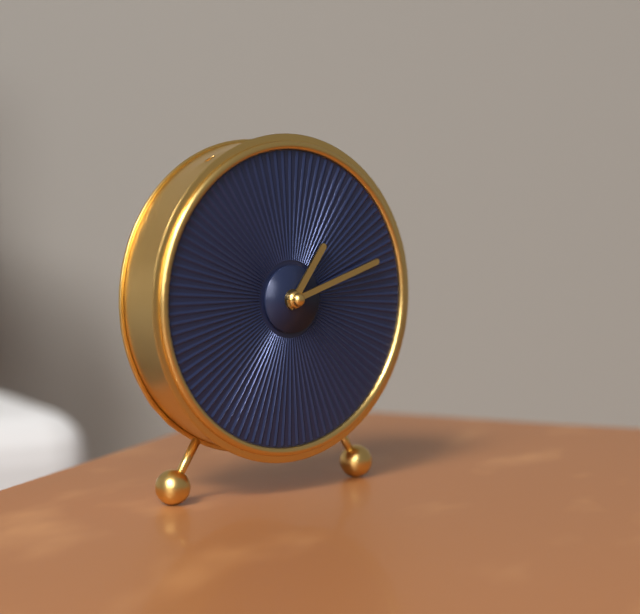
**1:12**
